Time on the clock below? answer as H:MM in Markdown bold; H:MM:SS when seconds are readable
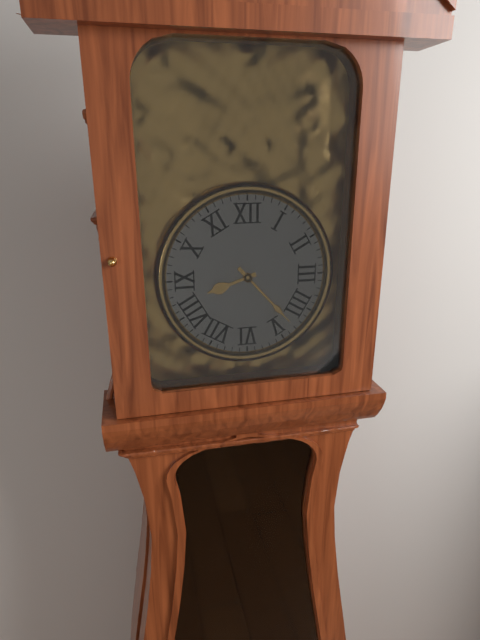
**8:23**
